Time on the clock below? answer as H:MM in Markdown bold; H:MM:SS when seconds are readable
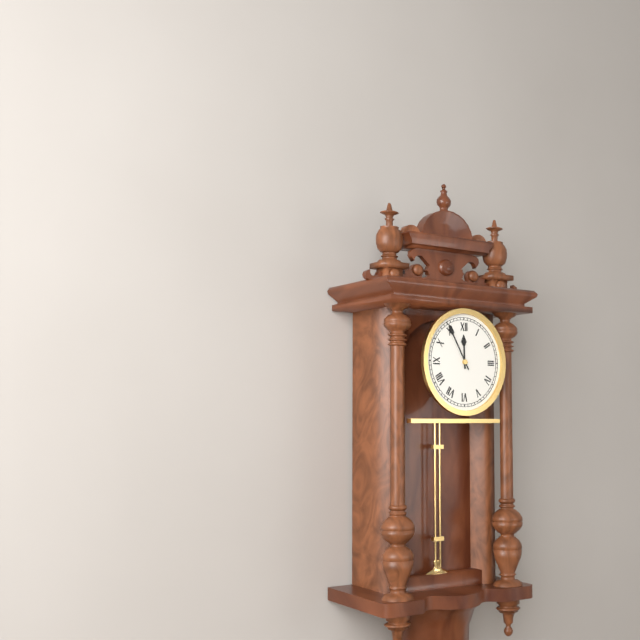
**11:55**
